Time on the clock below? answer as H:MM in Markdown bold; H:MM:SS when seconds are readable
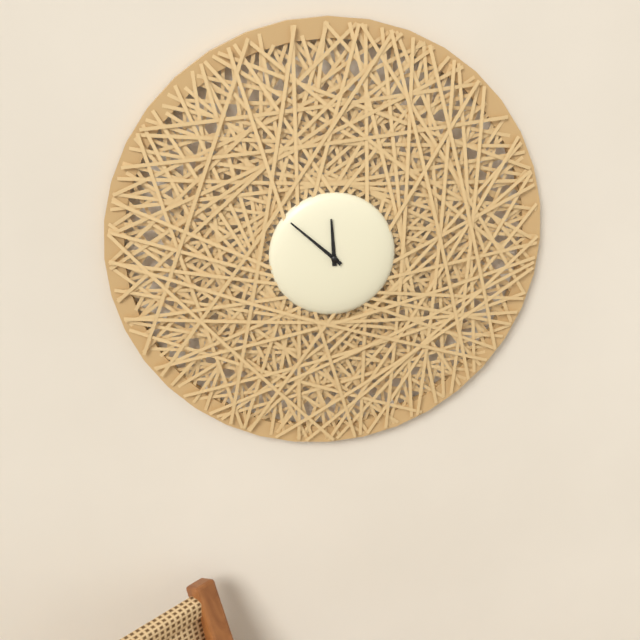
**11:52**
